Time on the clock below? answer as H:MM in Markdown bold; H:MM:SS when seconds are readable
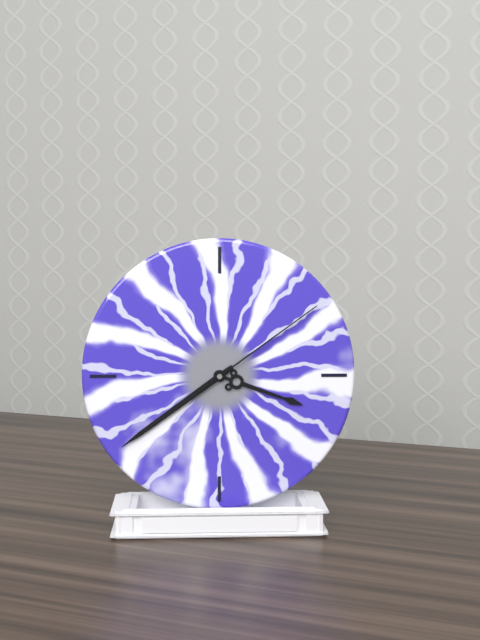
**3:39:09**
